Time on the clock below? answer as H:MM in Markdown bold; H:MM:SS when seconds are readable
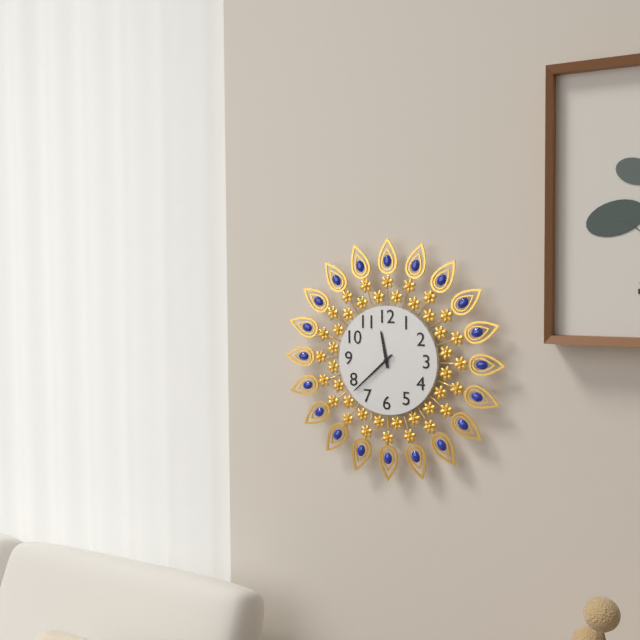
**11:38**
